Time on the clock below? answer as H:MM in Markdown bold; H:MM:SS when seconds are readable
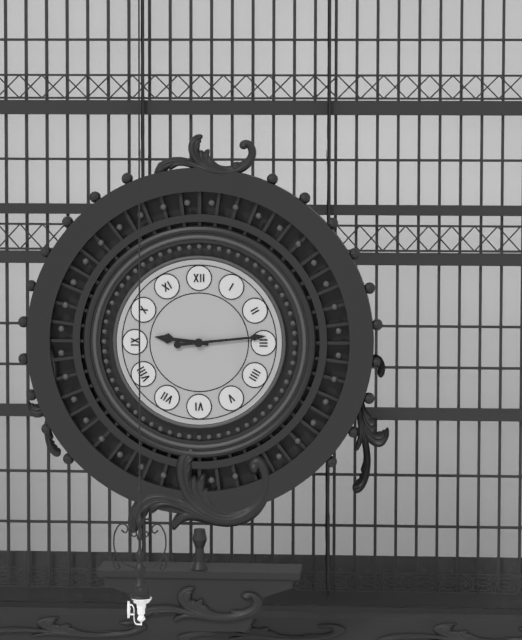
**9:14**
